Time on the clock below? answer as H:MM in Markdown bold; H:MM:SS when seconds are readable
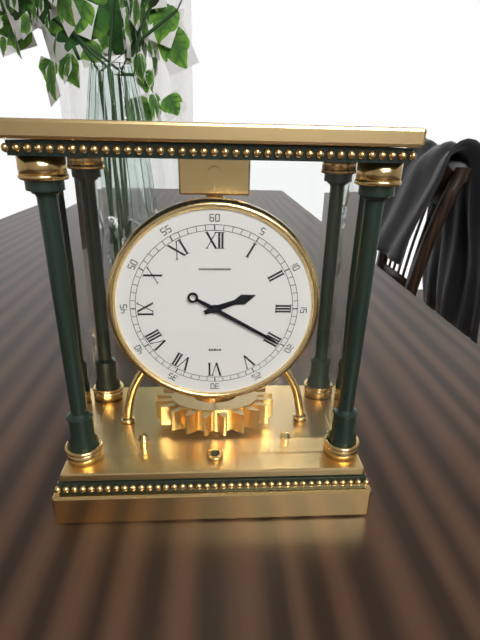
**2:20**
